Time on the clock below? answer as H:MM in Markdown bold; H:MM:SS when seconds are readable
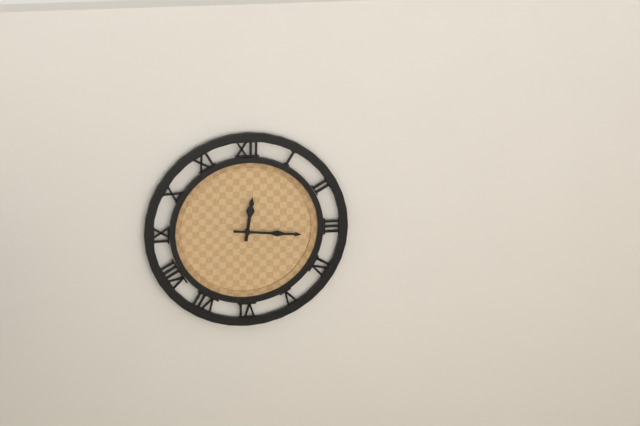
**12:16**
